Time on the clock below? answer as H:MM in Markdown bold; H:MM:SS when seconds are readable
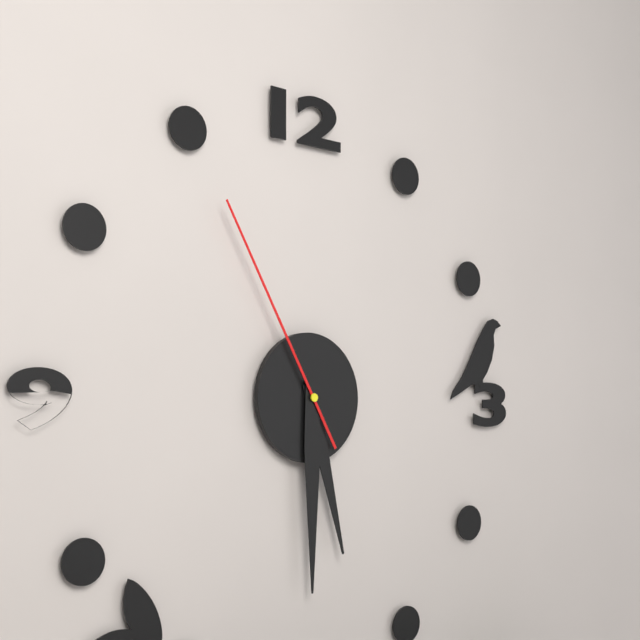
**5:30:55**
